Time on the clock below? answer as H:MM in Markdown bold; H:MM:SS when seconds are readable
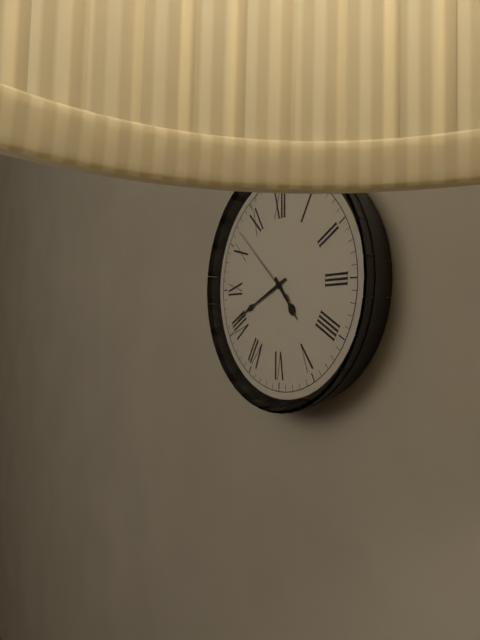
**4:41:52**
